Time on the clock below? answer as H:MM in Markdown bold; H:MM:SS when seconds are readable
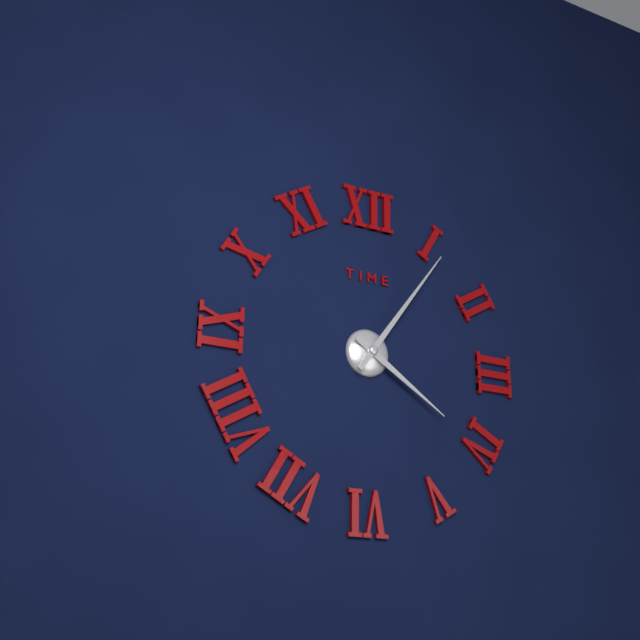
**4:06**
